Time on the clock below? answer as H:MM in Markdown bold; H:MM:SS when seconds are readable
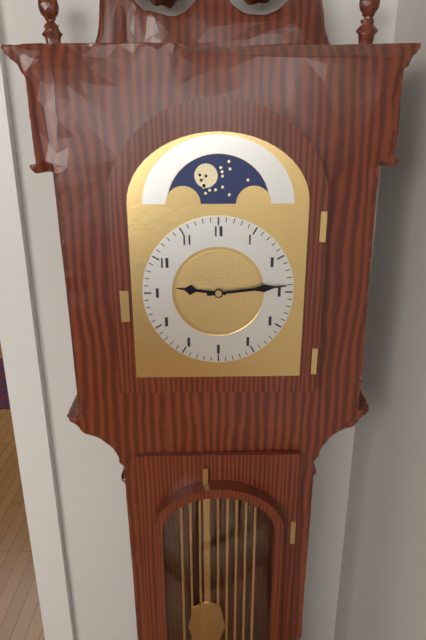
**9:14**
